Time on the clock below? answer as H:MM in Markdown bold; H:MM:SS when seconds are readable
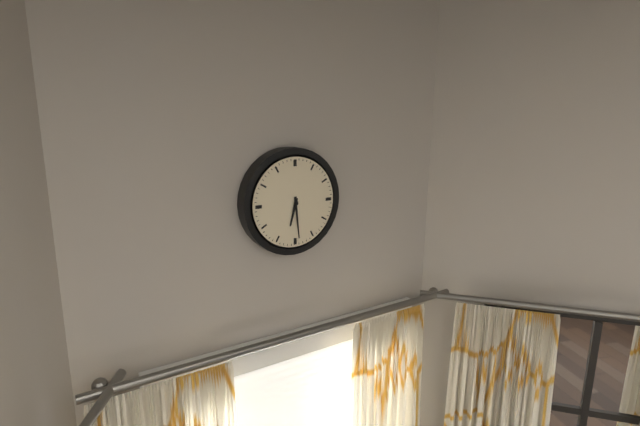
**6:29**
